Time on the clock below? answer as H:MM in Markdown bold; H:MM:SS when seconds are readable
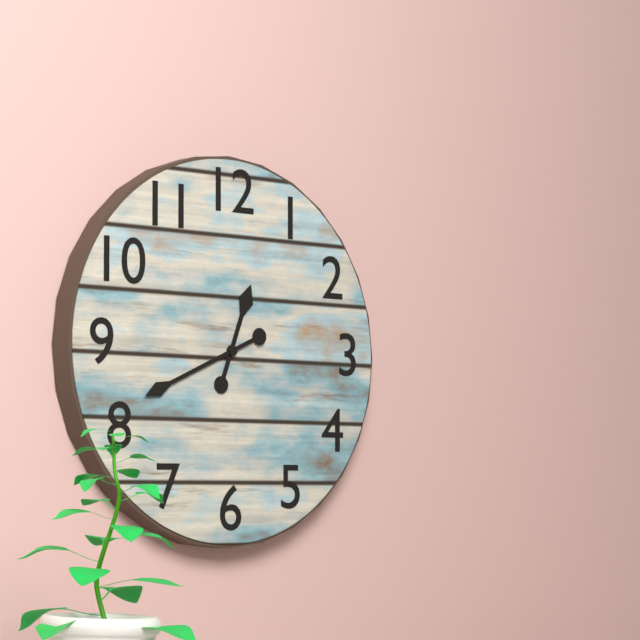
**12:41**
